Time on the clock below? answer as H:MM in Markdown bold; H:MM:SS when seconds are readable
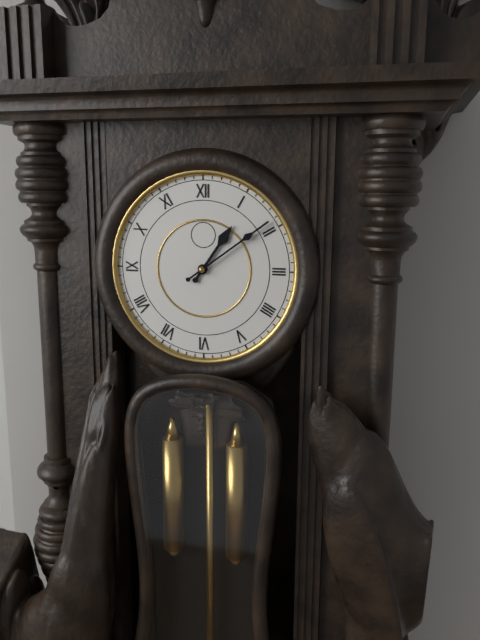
**1:09**
